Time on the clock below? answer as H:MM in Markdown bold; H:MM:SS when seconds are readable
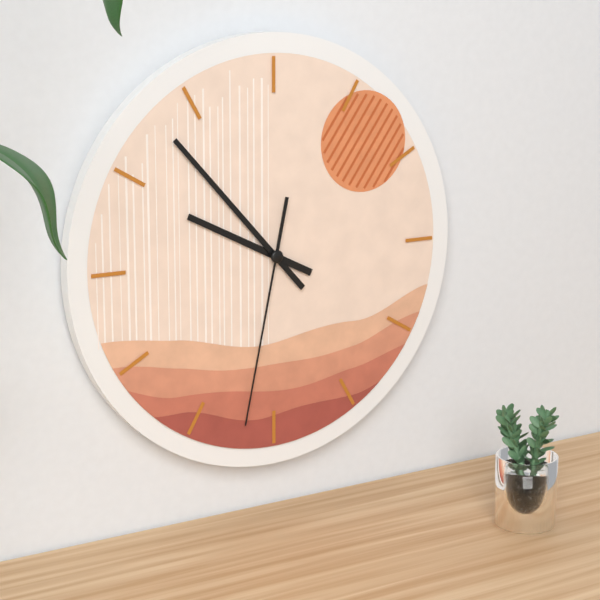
**9:53:32**
